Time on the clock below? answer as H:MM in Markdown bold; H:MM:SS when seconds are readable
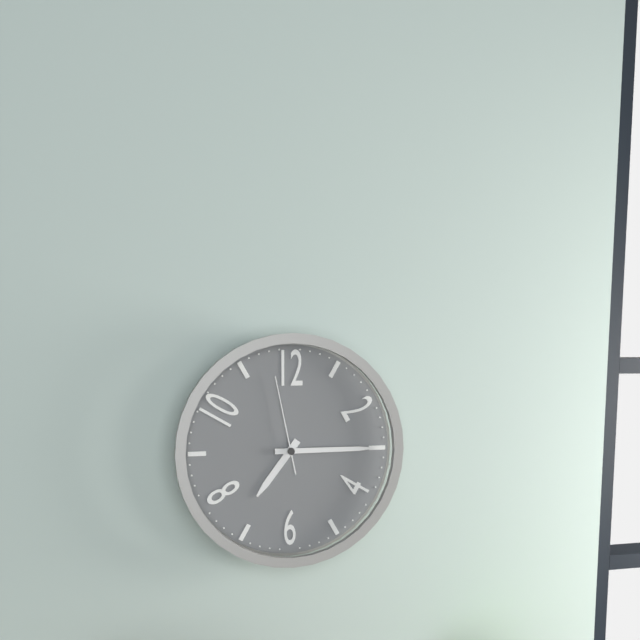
**7:15:58**
